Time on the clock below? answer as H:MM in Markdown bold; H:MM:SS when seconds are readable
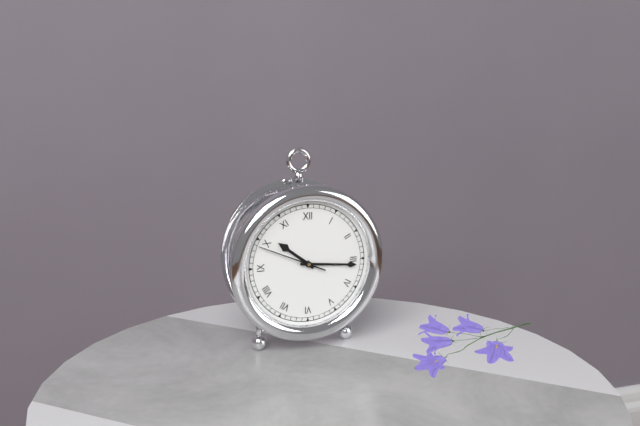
**10:16:49**
